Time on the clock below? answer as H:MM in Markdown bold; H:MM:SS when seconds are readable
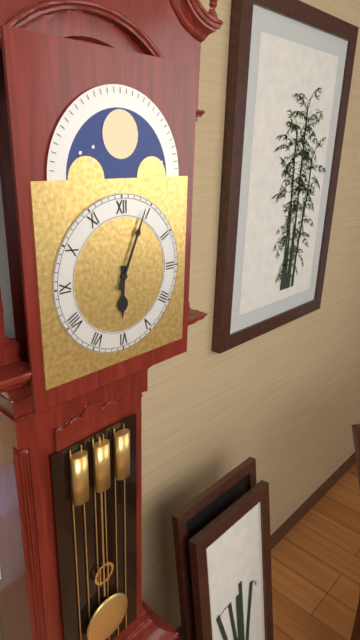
**6:04**
